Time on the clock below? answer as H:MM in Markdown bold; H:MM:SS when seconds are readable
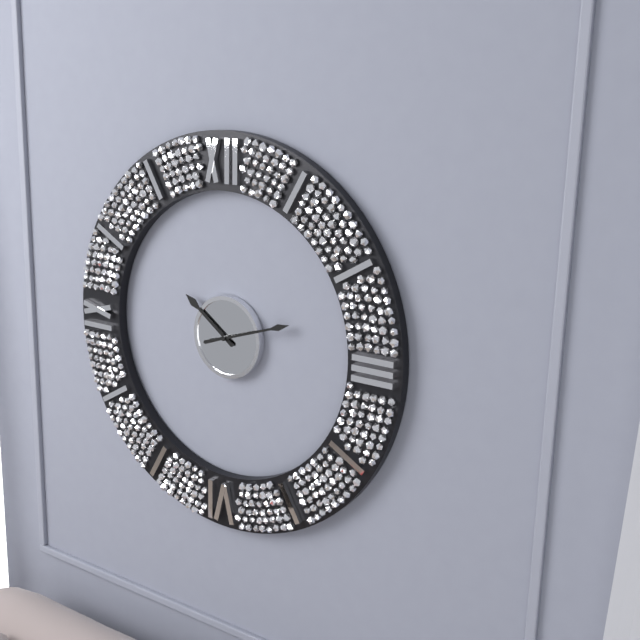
**10:12**
